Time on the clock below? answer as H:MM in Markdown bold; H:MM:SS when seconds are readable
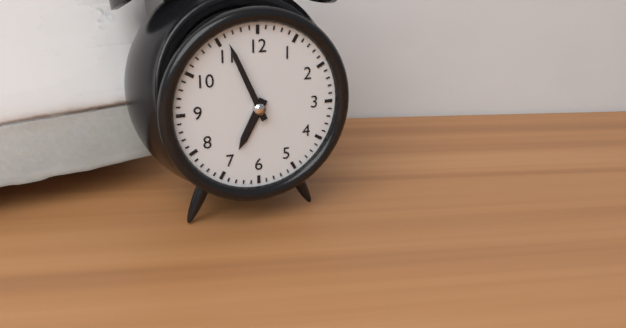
**6:56**
